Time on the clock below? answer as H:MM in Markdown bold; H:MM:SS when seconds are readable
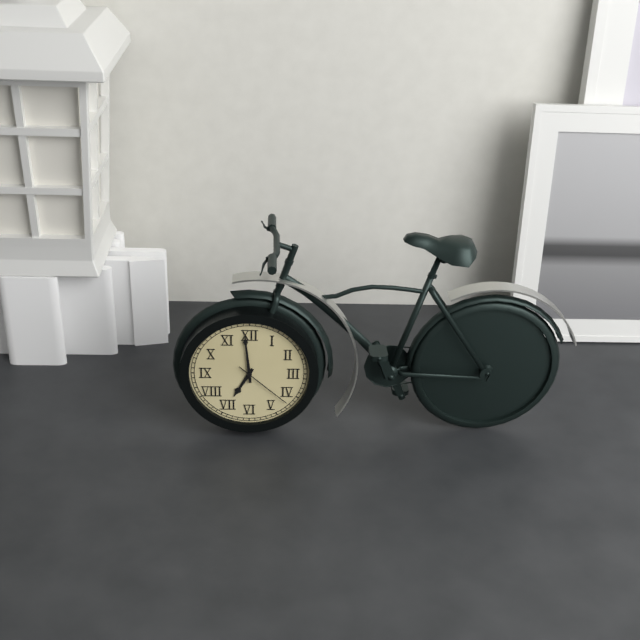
**6:59:22**
